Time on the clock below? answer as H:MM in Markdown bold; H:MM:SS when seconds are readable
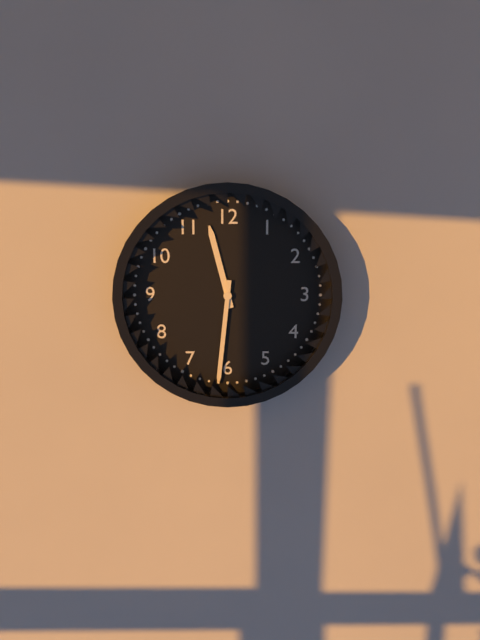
**11:31**
